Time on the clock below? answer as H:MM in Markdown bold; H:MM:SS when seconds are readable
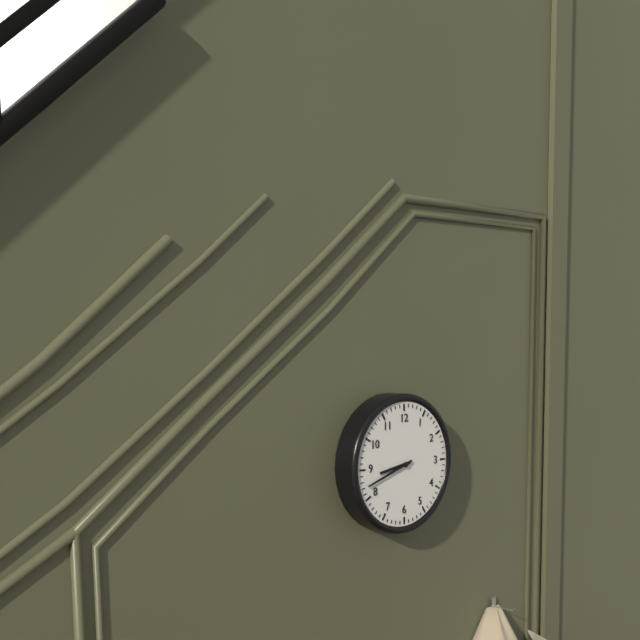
**8:42**
